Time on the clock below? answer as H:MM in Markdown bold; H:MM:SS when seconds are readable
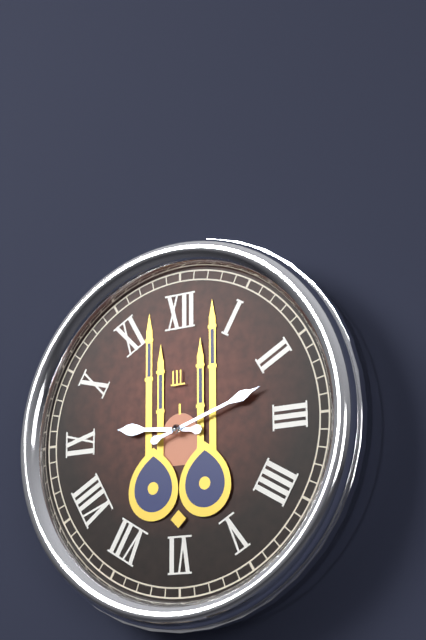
**9:12**
